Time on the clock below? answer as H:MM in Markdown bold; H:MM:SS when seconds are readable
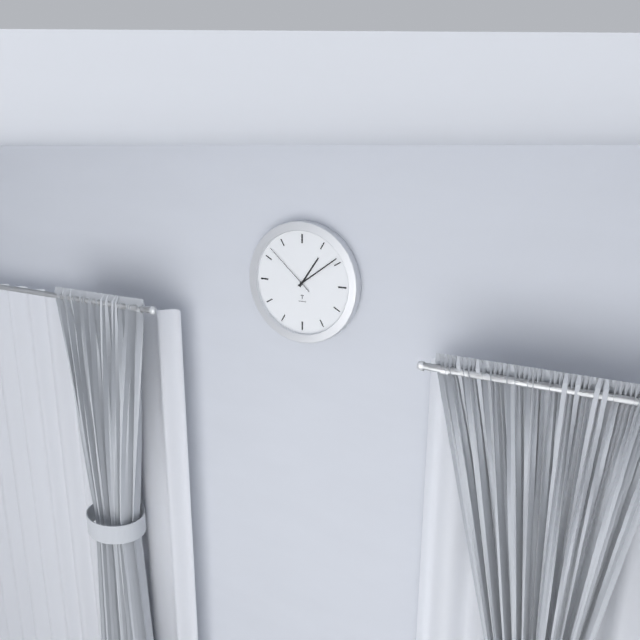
**1:09:52**
